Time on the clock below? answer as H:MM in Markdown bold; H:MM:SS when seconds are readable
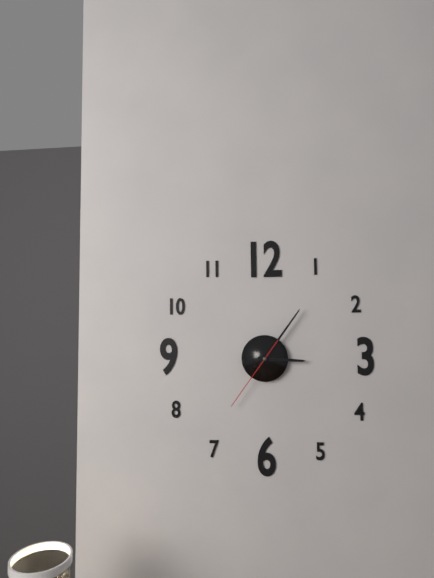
**3:06:36**
